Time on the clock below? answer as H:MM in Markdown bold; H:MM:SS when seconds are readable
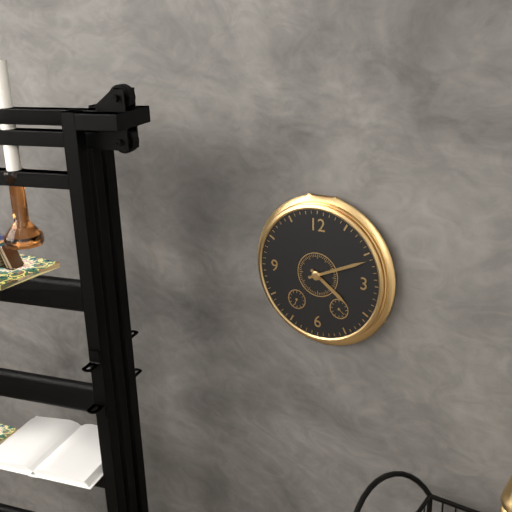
**4:11**
